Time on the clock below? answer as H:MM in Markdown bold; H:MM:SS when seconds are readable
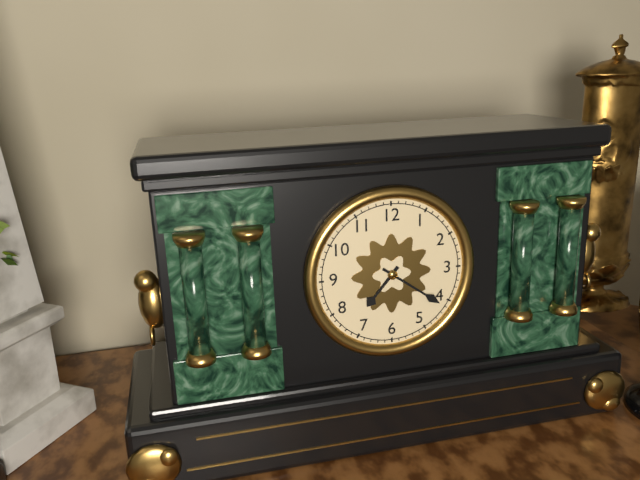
**7:21**
